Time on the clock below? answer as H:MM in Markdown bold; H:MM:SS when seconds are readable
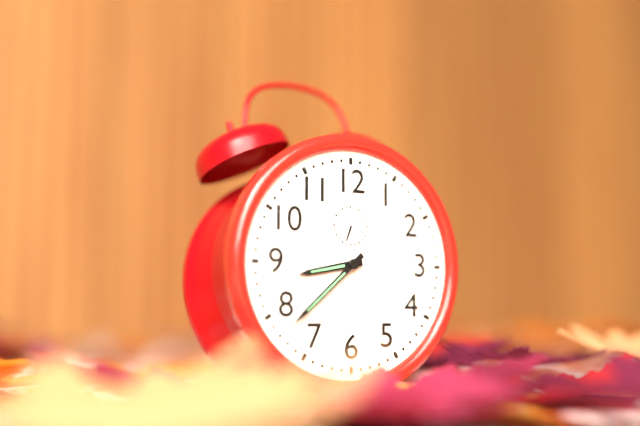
**8:38**
